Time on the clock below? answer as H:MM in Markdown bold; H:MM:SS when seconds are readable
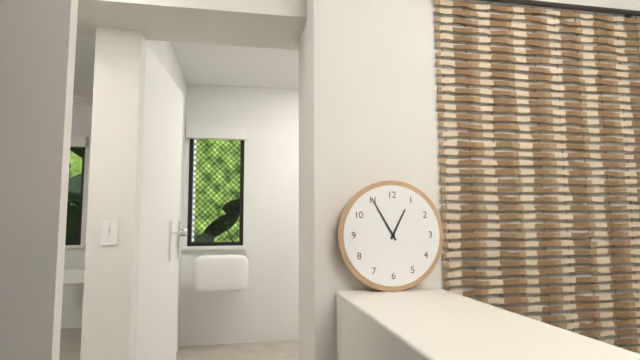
**12:55**
